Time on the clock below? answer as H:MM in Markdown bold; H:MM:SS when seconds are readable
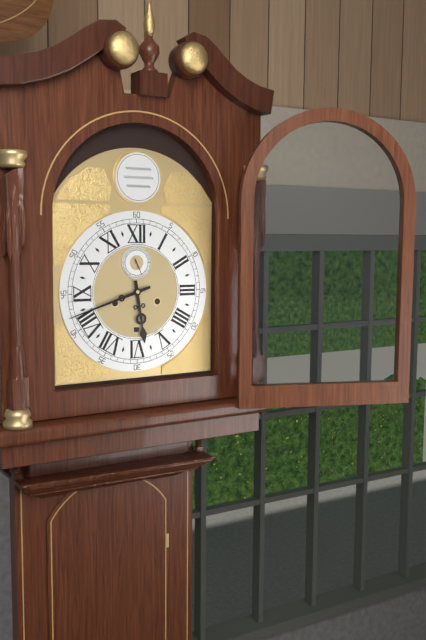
**5:42**
